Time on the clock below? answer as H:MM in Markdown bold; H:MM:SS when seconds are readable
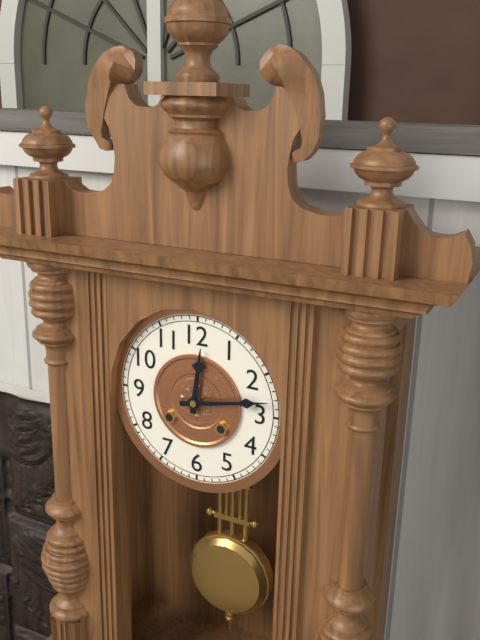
**12:13**
